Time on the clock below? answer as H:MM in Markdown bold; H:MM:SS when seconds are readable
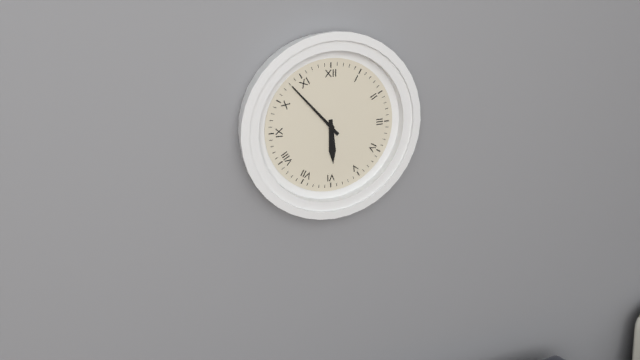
**5:53**
